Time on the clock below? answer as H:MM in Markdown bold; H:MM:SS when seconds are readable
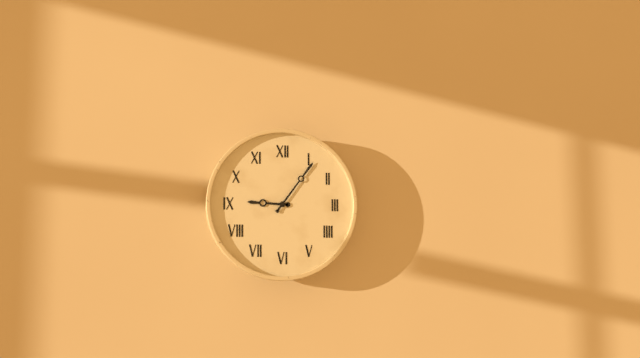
**9:06**
